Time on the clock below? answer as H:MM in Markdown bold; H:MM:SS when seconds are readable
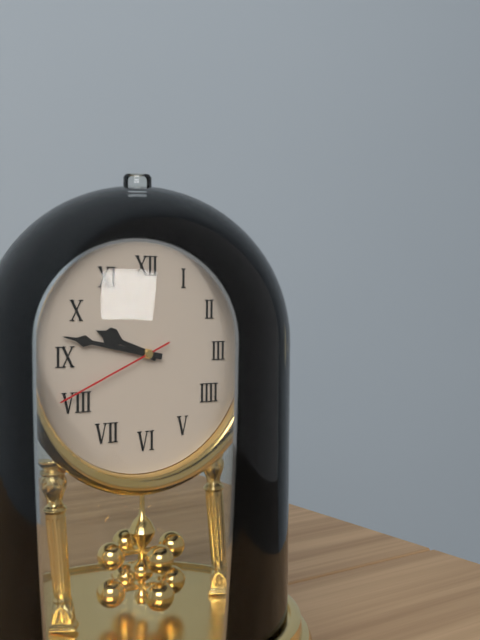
**9:47:41**
